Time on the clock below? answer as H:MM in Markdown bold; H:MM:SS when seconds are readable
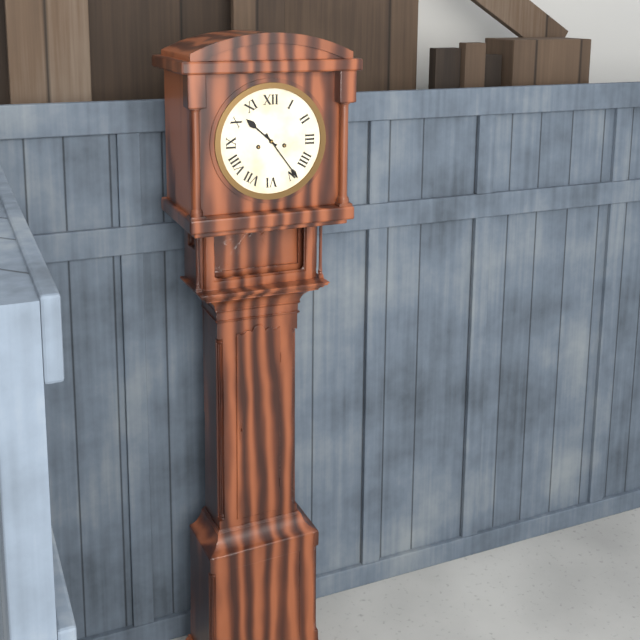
**10:24**
